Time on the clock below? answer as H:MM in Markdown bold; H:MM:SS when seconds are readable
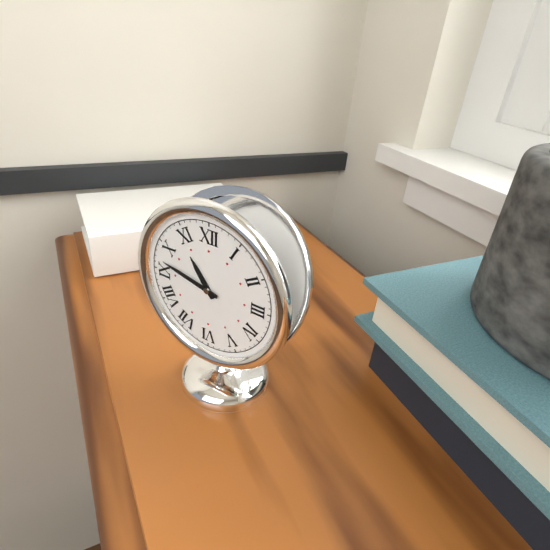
**10:47**
